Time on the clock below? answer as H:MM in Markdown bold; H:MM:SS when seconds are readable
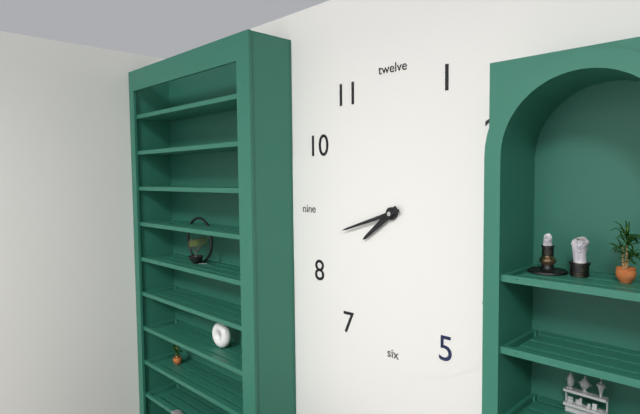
**7:42**
